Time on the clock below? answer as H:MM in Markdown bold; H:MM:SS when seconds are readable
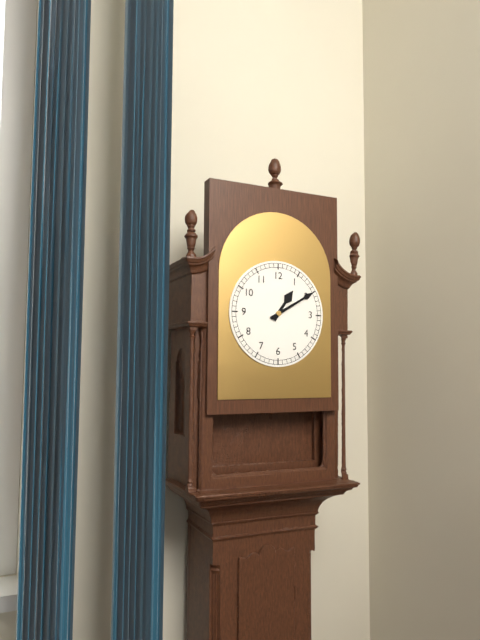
**1:10**
